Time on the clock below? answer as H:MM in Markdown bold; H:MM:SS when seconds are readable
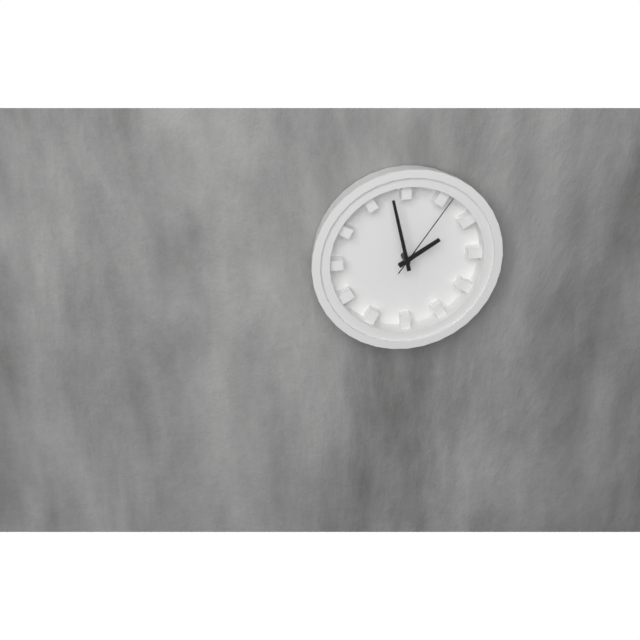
**1:58:06**
